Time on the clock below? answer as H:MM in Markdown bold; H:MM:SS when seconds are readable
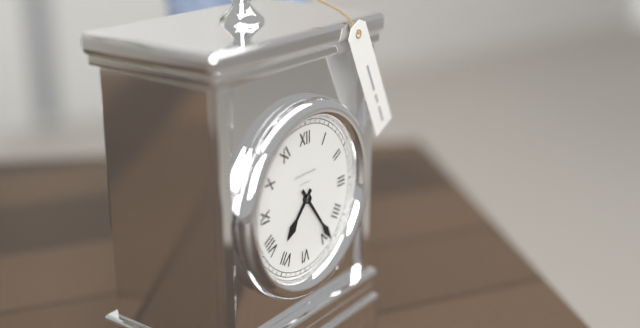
**7:24**
